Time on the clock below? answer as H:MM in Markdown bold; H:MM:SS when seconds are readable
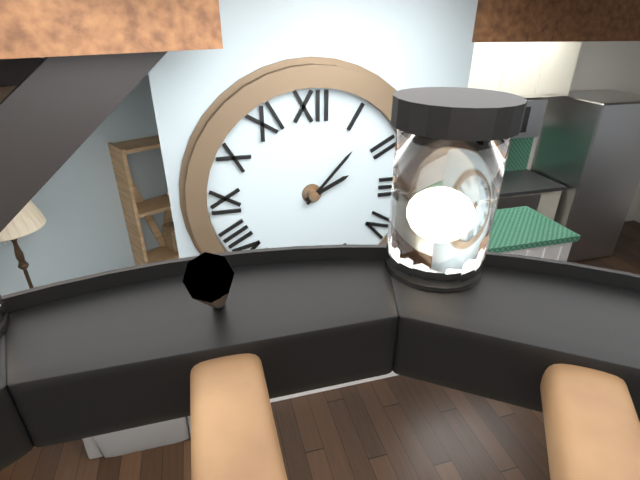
**2:07**
